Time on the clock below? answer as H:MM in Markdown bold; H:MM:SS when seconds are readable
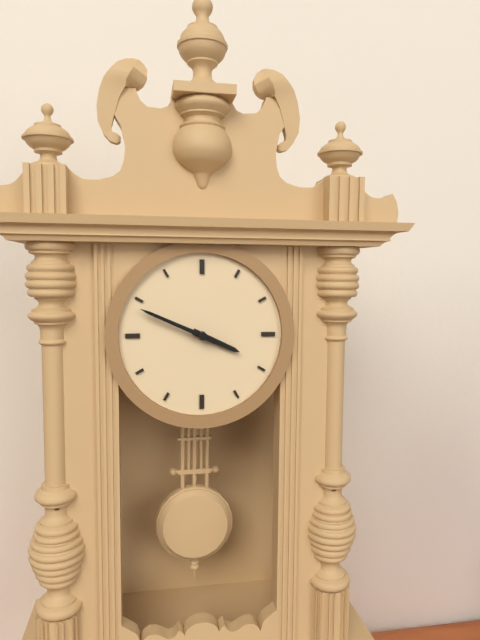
**3:49**
